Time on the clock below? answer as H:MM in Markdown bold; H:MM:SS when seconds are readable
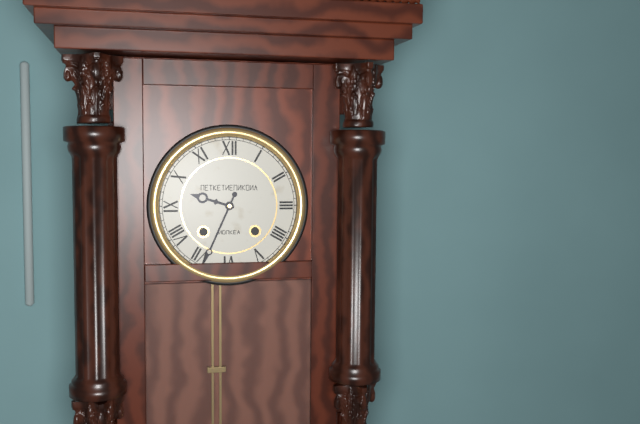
**9:34**
